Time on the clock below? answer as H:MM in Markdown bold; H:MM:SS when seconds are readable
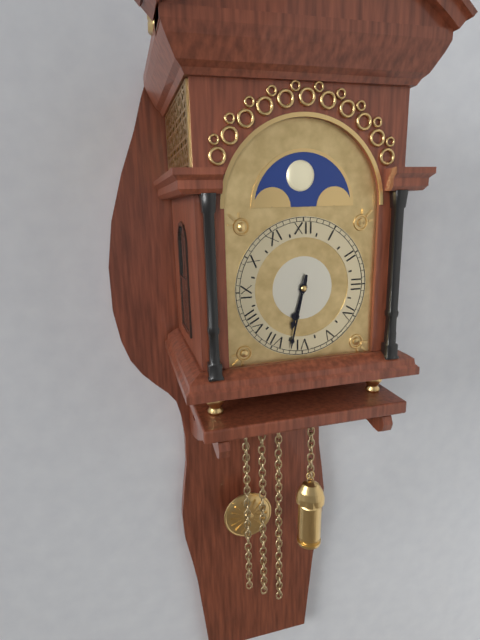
**6:32**
